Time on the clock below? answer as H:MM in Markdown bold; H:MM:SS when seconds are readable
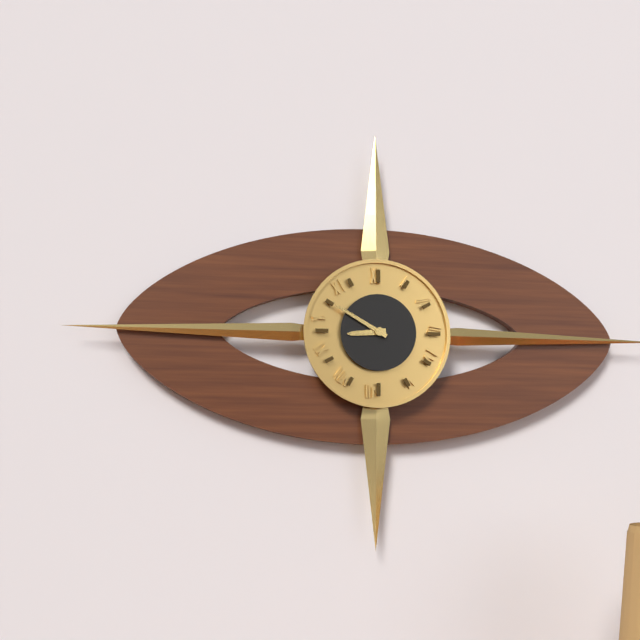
**8:50**
